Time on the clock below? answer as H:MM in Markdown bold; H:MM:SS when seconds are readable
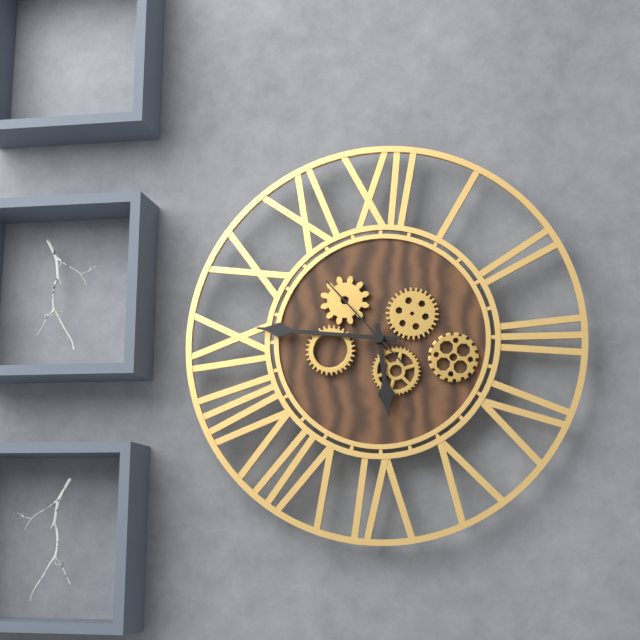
**5:46:53**
